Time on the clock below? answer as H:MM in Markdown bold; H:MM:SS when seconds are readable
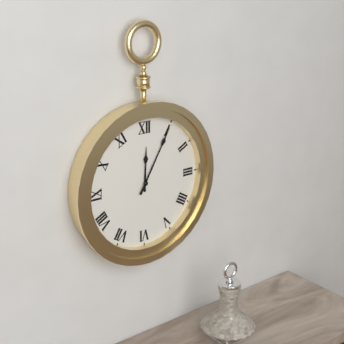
**12:05**
